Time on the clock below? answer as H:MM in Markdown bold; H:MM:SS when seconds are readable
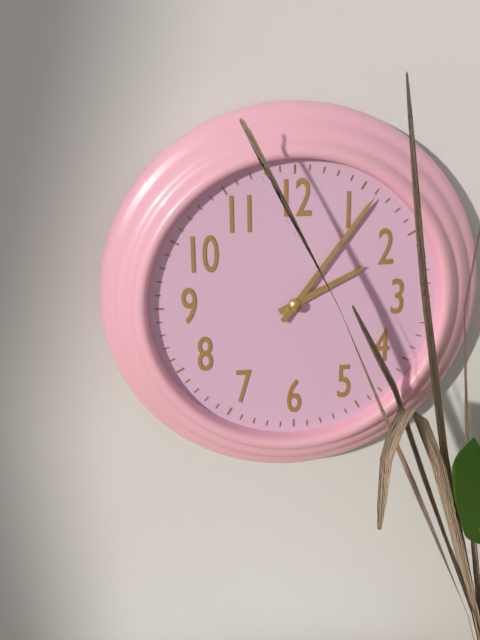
**2:06**
